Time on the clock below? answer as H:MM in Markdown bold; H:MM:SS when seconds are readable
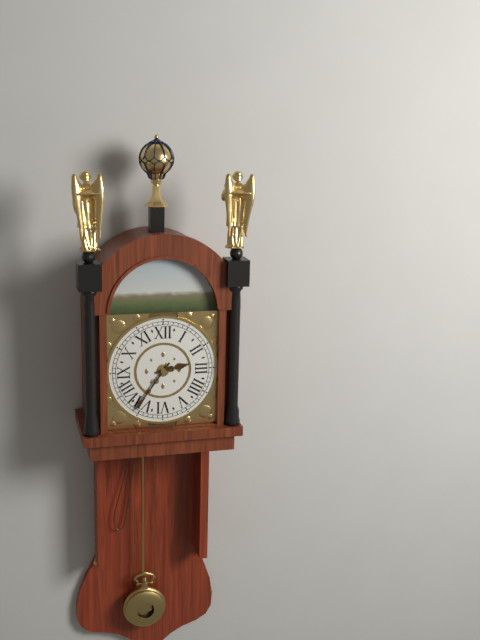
**2:36**
